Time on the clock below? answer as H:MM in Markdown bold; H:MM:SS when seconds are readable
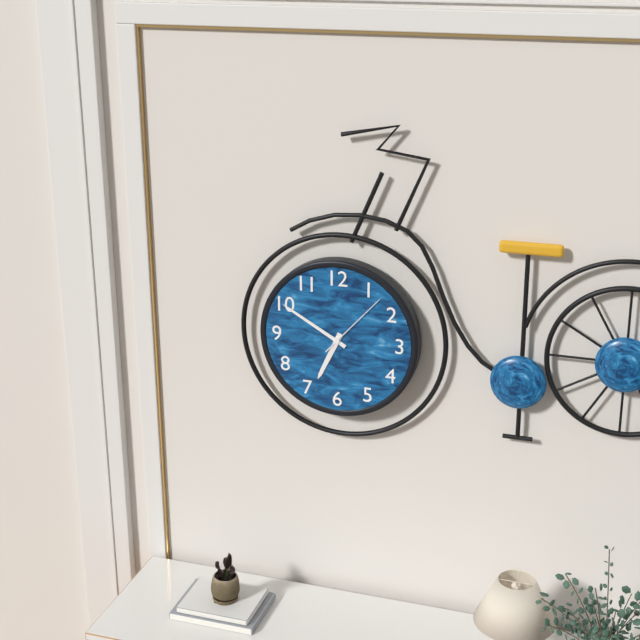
**6:50:07**
